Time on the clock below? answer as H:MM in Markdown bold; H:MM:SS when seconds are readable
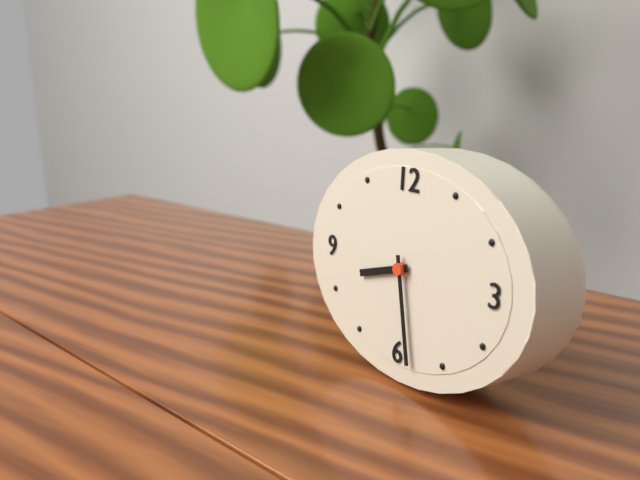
**8:28**
